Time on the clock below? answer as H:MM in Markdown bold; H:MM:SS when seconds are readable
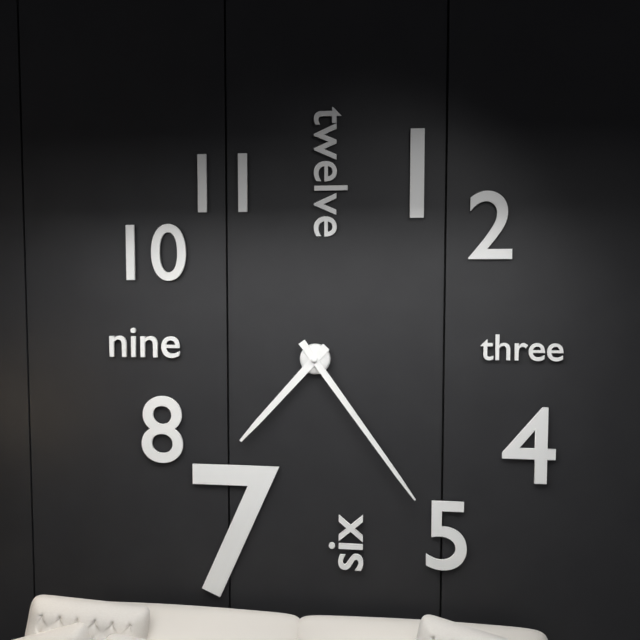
**7:24**
